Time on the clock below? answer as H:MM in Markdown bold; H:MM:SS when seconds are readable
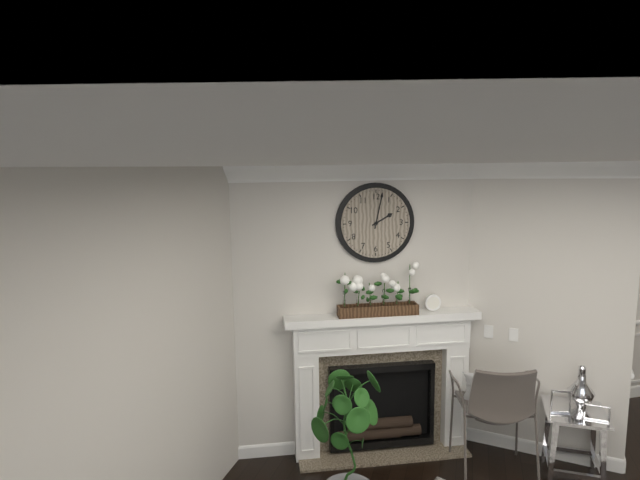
**2:02**
